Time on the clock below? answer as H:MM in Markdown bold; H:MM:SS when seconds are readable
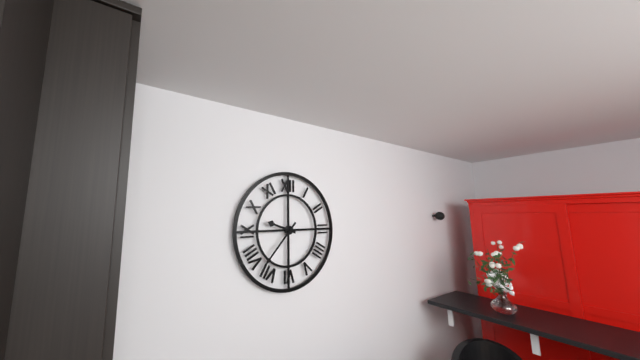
**9:37**
